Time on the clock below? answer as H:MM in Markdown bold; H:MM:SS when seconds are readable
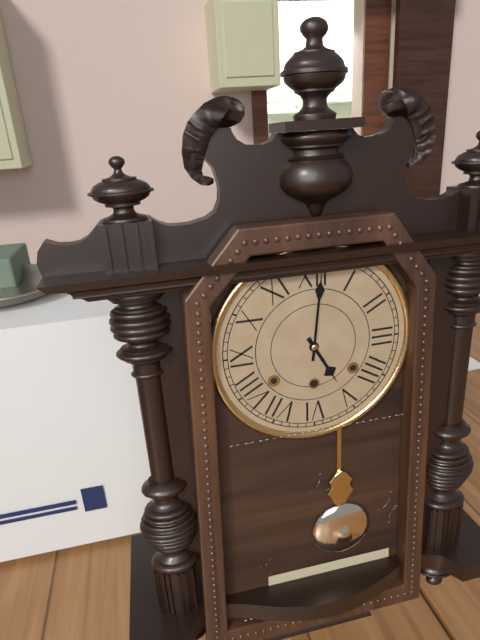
**5:01**
